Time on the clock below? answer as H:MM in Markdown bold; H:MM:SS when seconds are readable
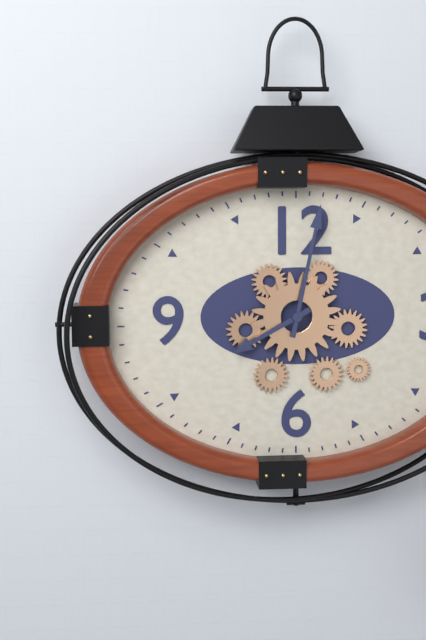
**8:02**
